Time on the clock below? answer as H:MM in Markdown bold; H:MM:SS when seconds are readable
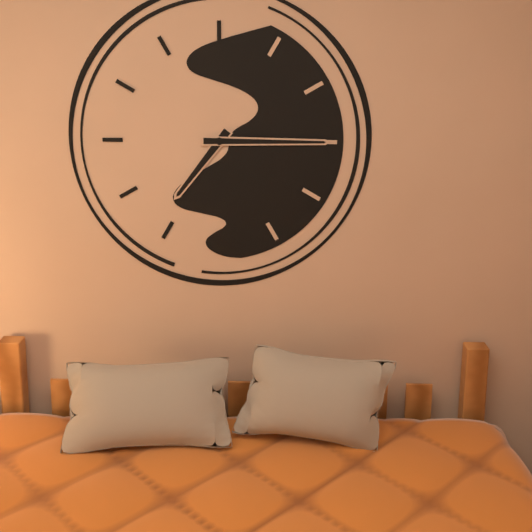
**7:15**
